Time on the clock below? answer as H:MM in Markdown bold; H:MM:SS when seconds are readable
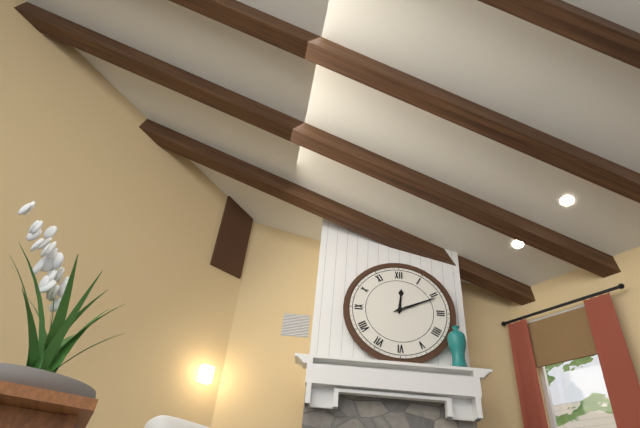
**12:11**
